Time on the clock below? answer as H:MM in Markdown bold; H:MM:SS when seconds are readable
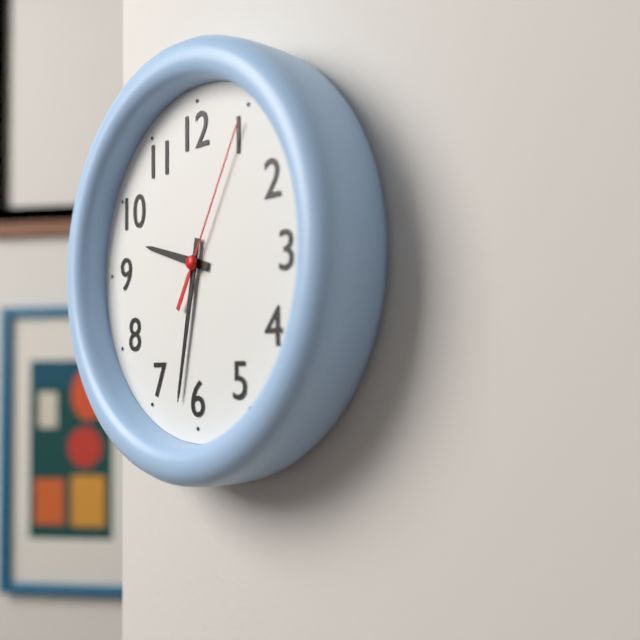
**9:32:05**
